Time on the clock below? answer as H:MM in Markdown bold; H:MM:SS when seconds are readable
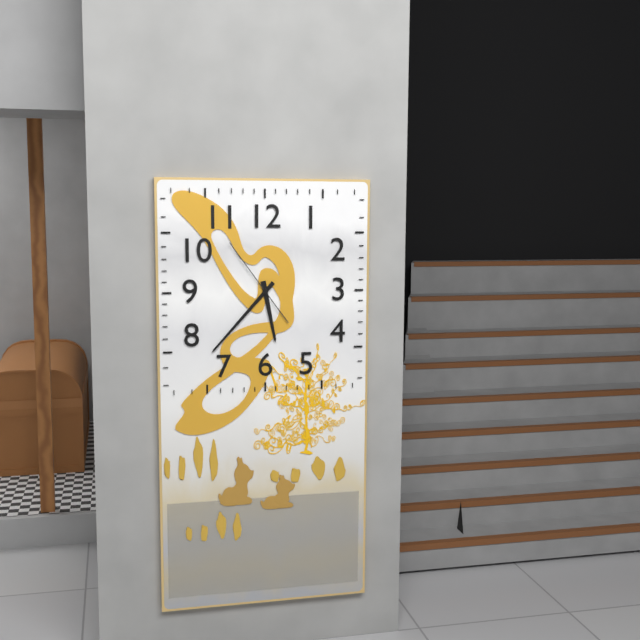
**5:37:54**
